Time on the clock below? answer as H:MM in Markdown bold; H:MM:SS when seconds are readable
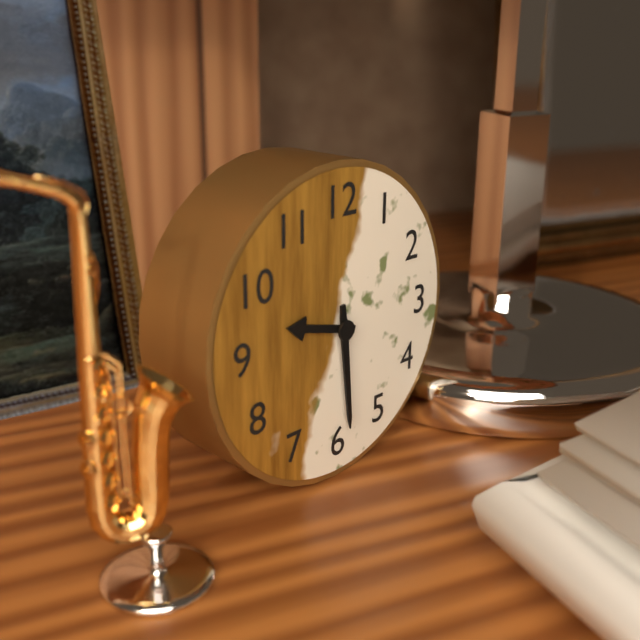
**9:29**
